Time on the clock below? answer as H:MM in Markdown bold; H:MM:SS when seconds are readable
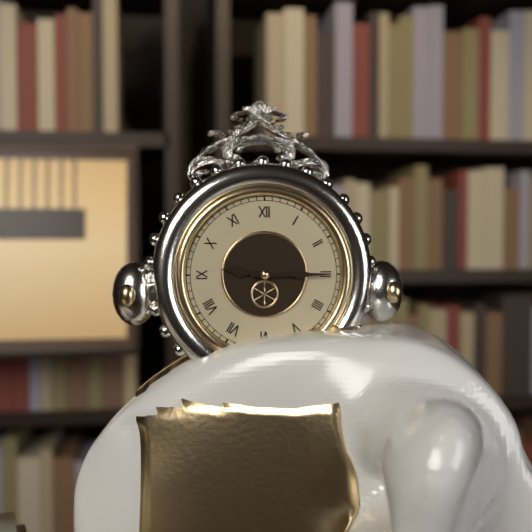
**9:15**
